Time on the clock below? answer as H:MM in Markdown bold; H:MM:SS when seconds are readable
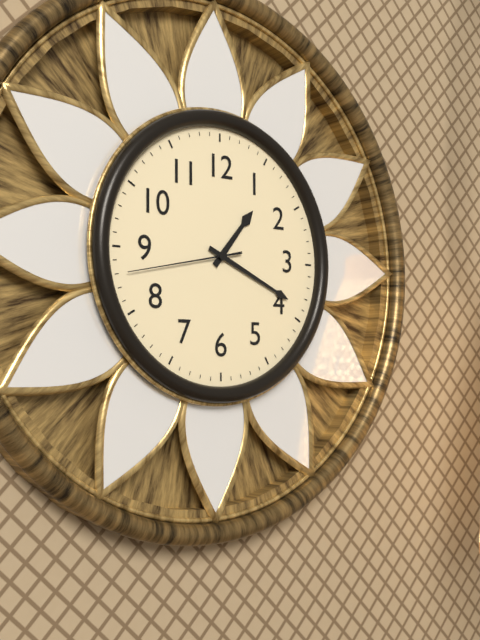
**1:19:43**
